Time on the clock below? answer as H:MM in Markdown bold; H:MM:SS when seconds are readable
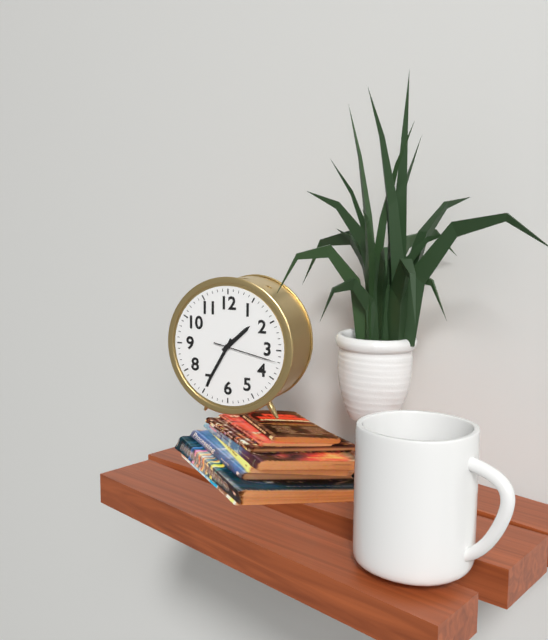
**1:35:17**
